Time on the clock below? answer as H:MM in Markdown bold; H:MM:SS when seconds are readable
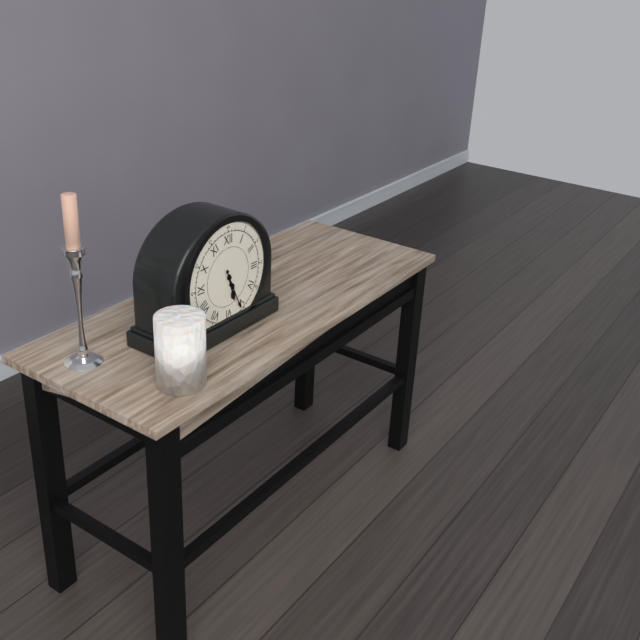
**5:26**
